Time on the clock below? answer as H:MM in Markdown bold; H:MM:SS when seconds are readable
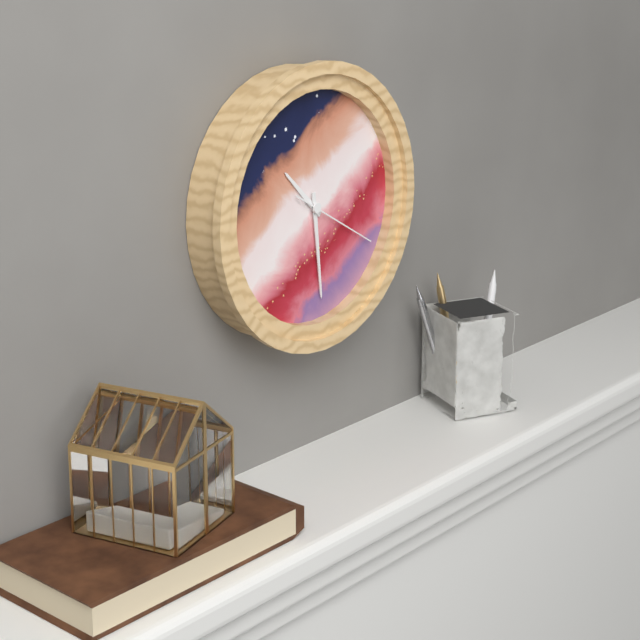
**10:29:20**
